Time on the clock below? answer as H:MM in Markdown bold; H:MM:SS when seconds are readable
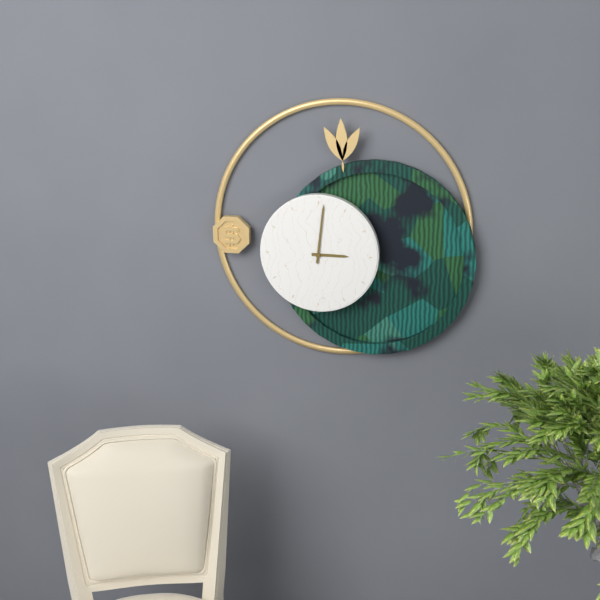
**3:01**
